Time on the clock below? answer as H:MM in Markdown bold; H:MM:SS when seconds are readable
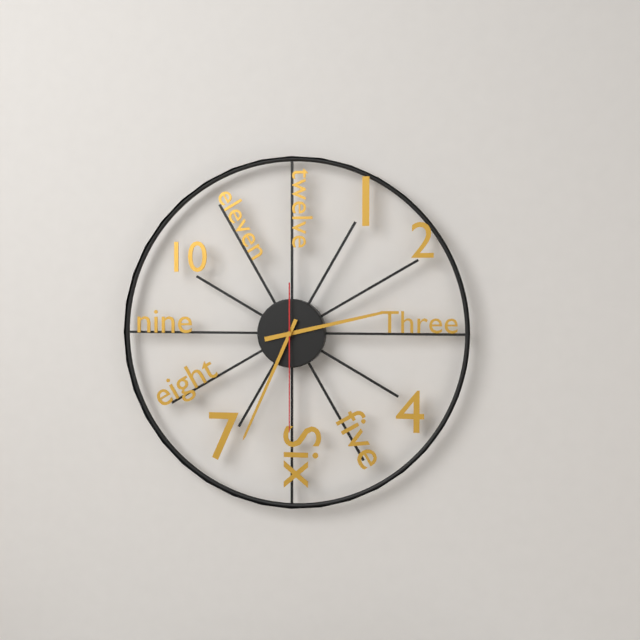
**2:34:30**
